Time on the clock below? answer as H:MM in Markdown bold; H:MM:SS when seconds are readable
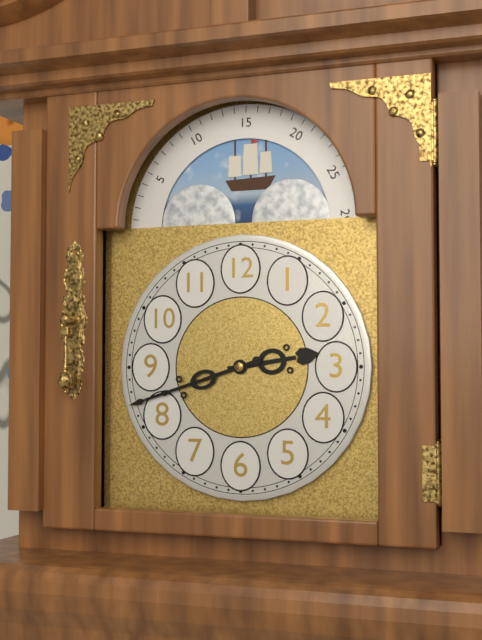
**2:42**
